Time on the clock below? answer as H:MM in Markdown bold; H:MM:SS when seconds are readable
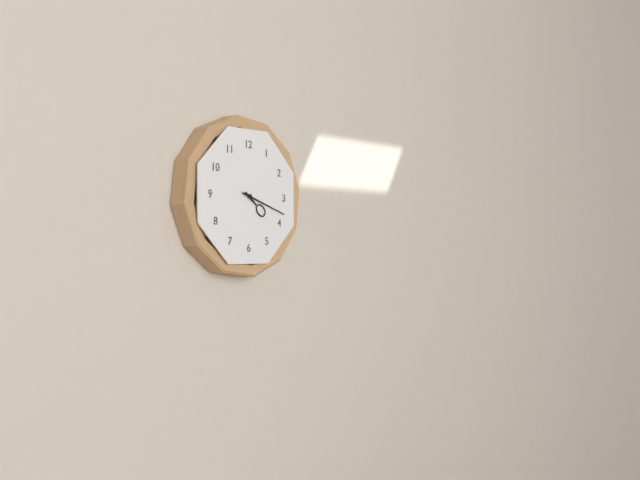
**4:18**
